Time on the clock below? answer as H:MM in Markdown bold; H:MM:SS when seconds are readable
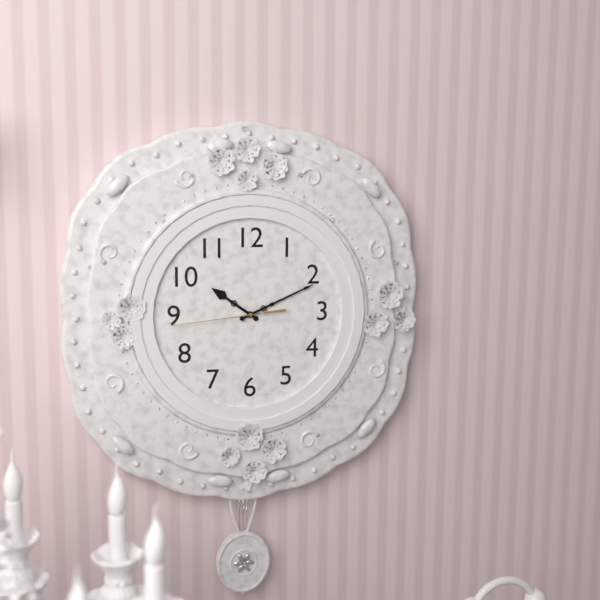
**10:11:44**
